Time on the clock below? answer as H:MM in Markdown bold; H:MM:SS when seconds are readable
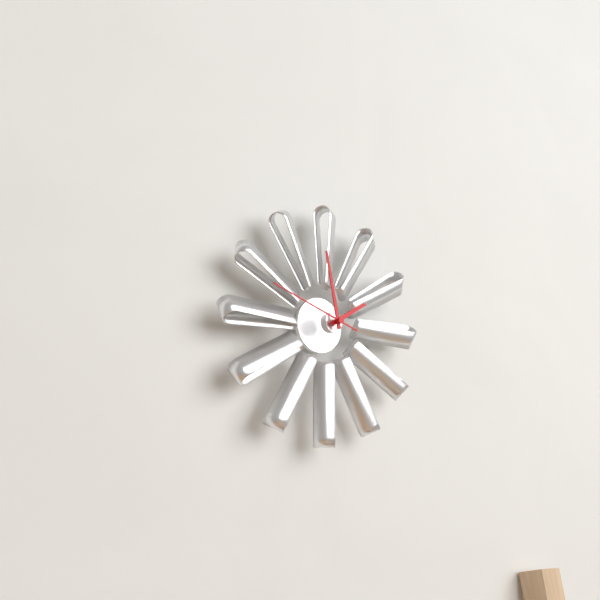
**1:58:48**
